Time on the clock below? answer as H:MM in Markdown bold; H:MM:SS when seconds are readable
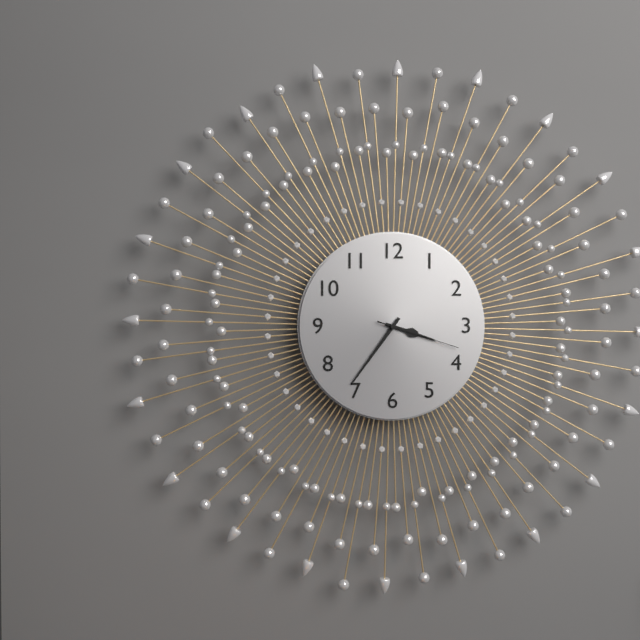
**3:36:18**
